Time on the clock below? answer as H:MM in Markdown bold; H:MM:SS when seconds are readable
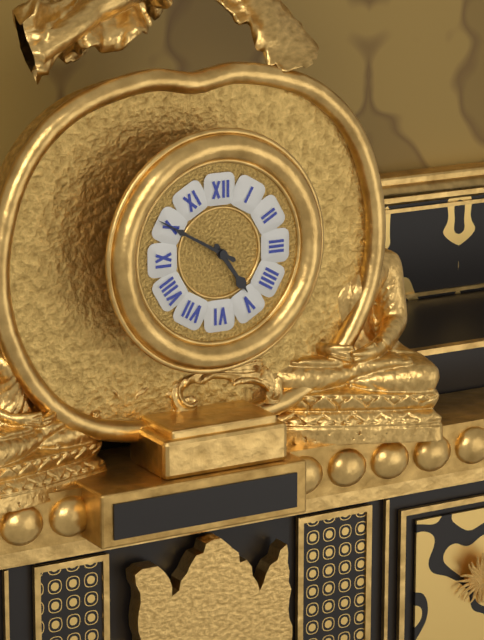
**4:50**
